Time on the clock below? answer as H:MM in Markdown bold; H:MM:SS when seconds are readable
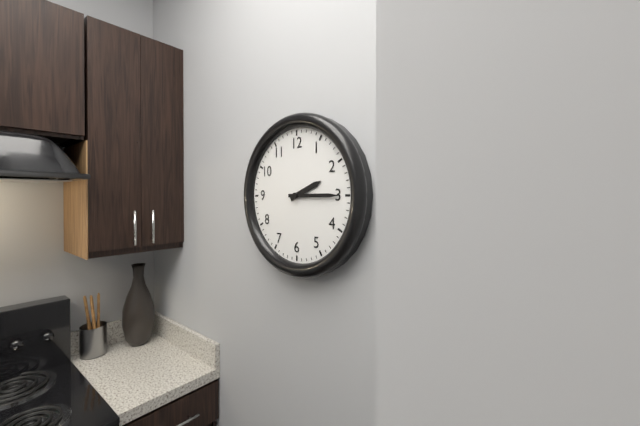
**2:15**
